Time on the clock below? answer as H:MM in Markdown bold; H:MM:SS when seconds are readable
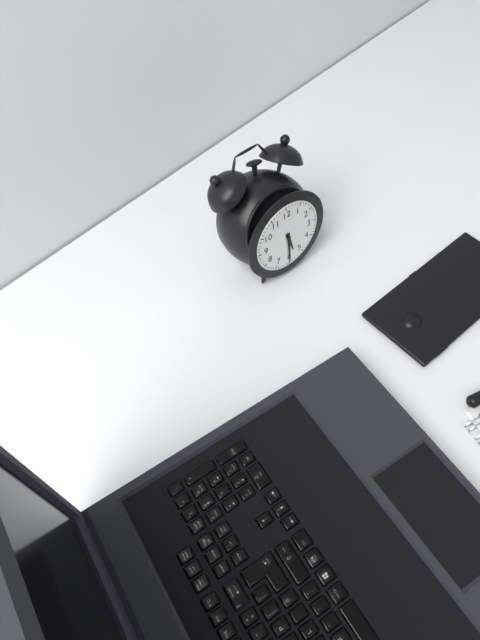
**5:30**
